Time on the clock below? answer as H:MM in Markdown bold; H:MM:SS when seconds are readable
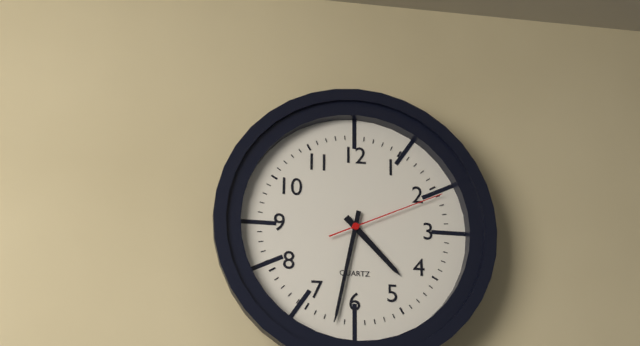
**4:32:11**
